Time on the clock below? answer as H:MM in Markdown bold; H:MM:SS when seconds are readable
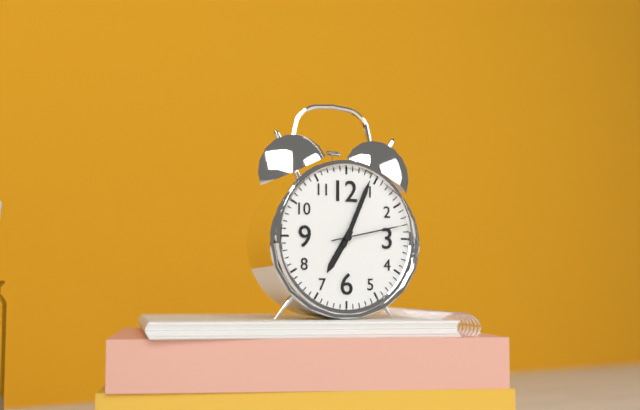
**7:04:13**
